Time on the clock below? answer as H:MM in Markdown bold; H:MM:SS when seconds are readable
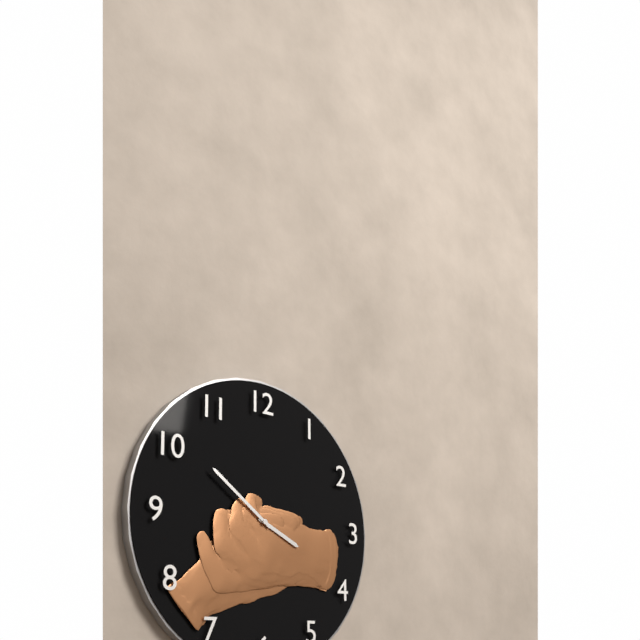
**3:51**
